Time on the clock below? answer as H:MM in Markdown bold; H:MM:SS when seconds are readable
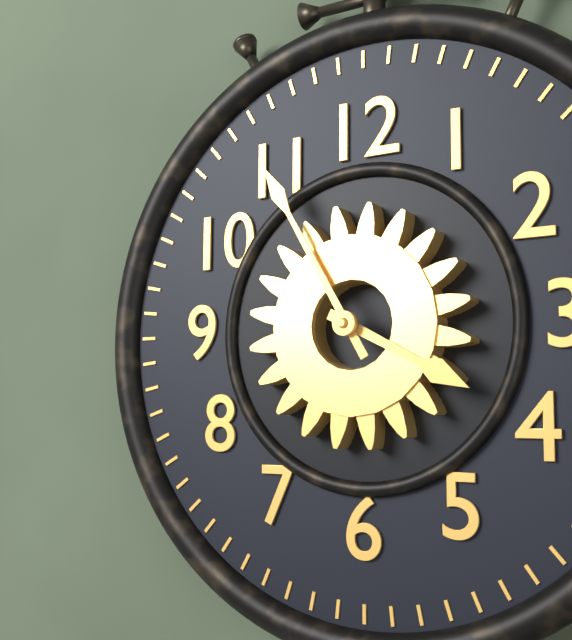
**3:55**
